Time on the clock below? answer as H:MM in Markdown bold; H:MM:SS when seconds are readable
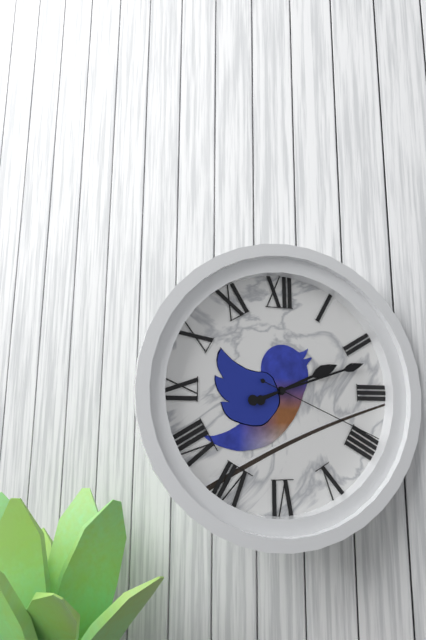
**2:12:19**
